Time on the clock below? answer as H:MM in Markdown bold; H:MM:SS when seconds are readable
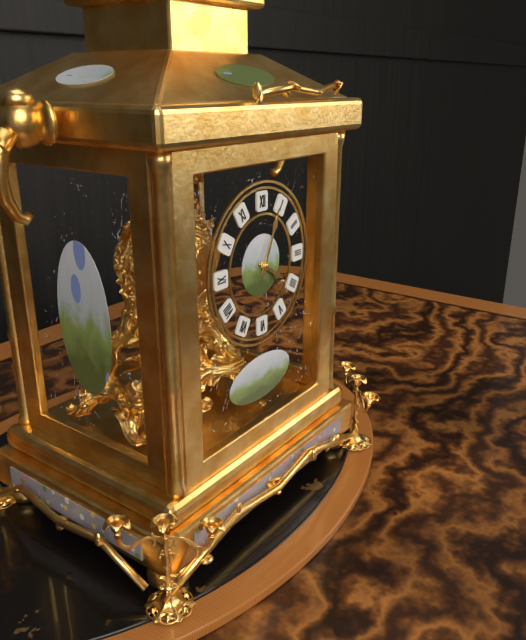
**4:04**
